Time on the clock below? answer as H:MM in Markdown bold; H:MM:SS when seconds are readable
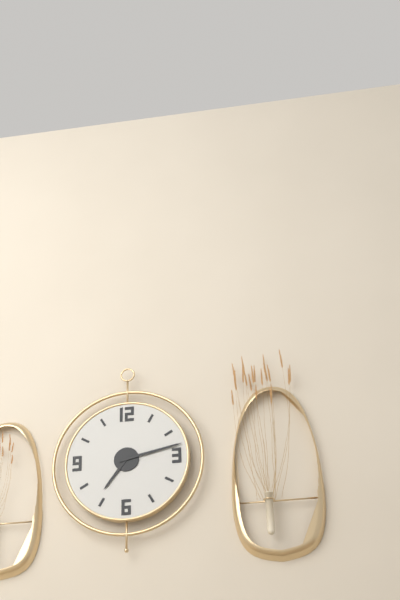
**7:13**
